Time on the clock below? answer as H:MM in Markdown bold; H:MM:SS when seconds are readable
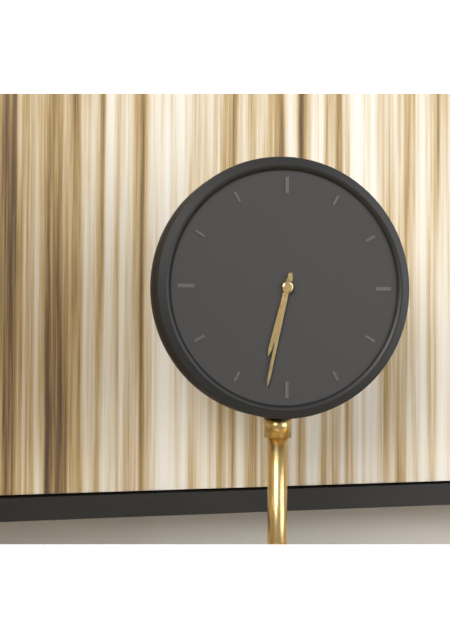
**6:32**
